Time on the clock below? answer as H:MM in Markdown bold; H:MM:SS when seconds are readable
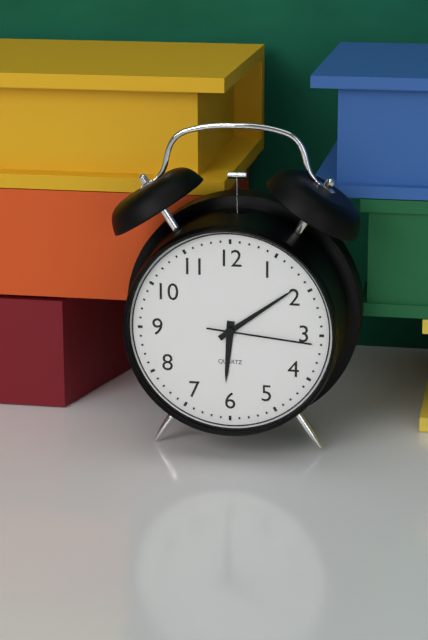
**6:09:16**
